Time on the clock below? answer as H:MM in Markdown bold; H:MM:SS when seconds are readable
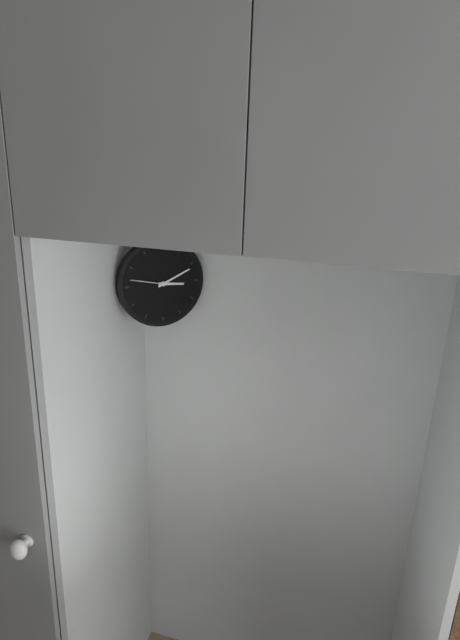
**3:11**
